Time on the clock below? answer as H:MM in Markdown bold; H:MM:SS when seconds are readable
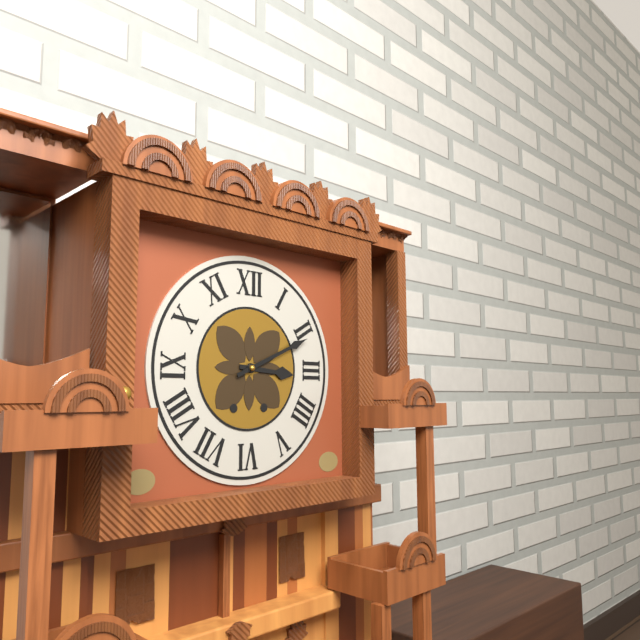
**3:11**
